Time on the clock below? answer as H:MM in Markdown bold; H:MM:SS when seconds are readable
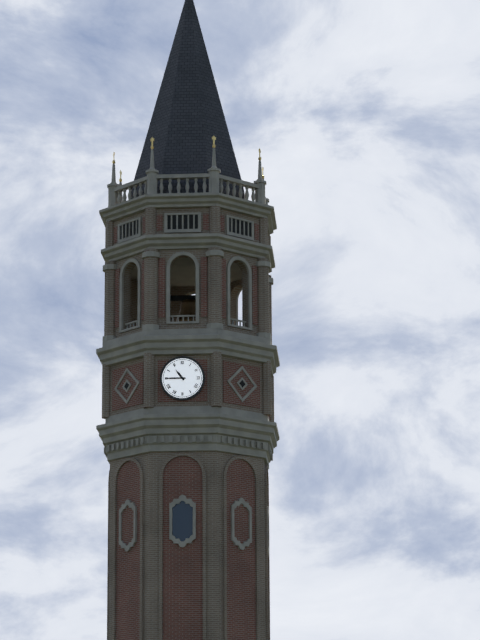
**10:45**
